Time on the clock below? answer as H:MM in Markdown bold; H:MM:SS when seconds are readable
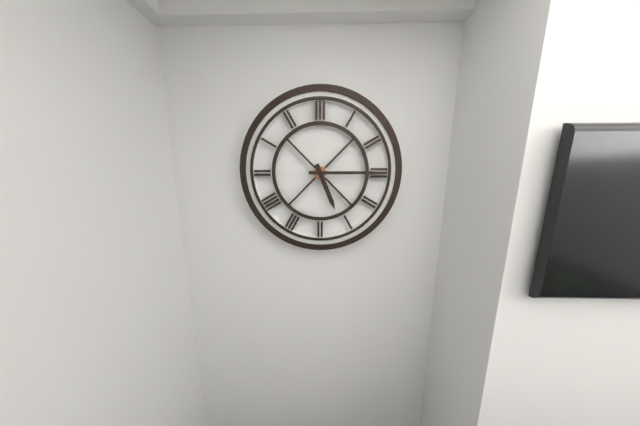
**5:15**
